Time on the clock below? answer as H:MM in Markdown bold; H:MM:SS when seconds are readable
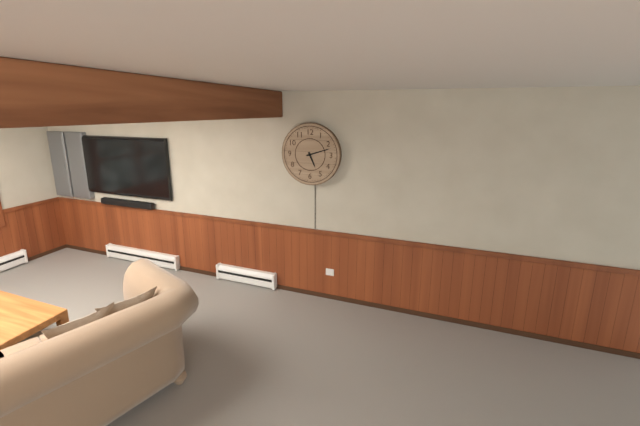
**5:12**
